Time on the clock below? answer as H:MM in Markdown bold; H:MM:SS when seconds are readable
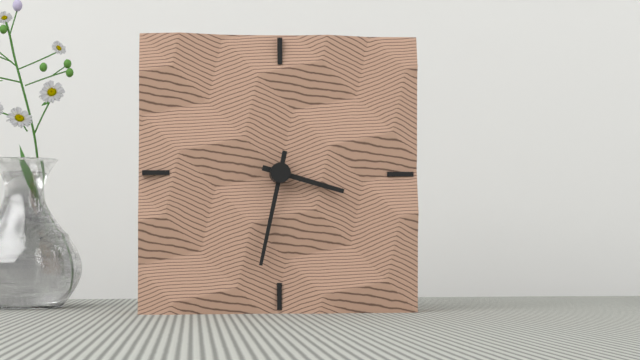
**3:32**
